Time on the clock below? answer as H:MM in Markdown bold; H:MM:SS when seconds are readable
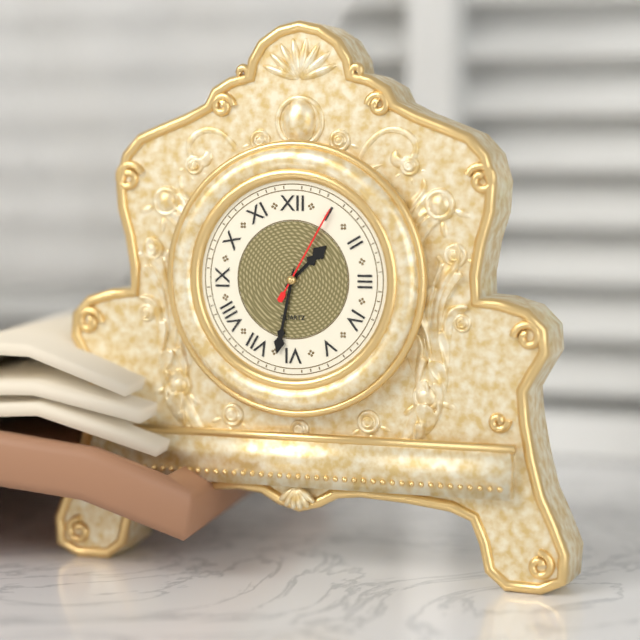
**1:32:05**
